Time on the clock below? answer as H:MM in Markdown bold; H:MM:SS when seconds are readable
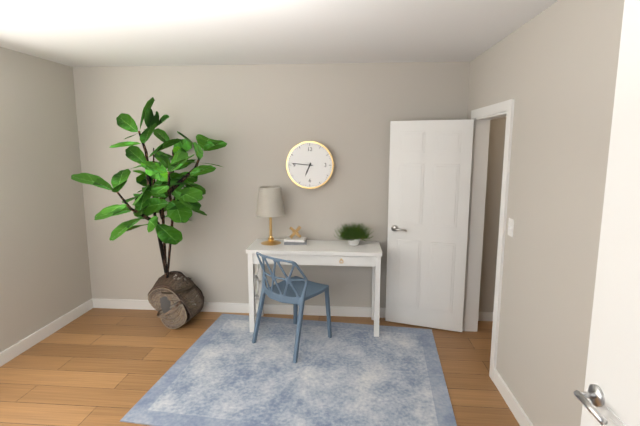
**6:46**
